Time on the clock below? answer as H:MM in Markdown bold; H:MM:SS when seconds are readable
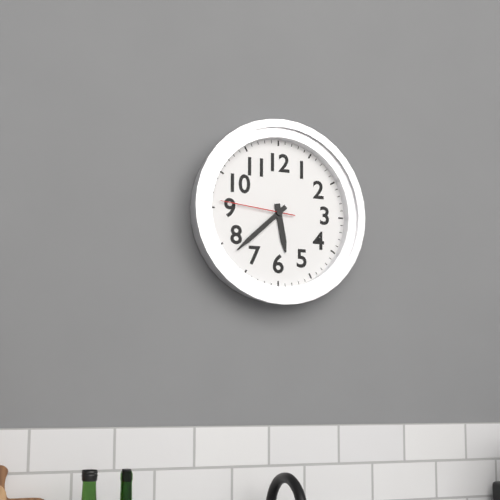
**5:38:46**
